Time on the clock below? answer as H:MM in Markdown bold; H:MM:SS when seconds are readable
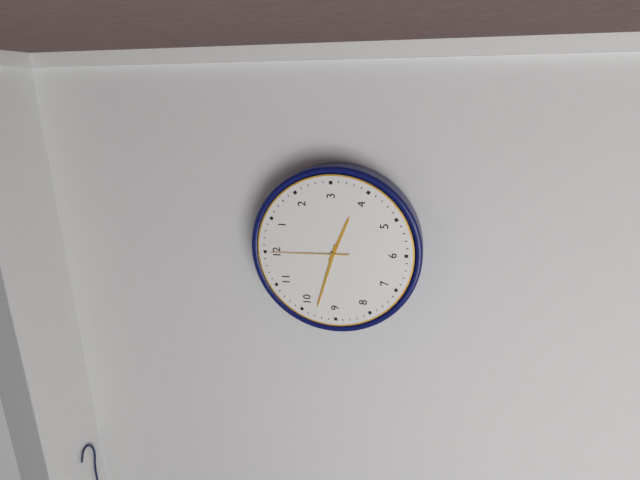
**3:48:00**
